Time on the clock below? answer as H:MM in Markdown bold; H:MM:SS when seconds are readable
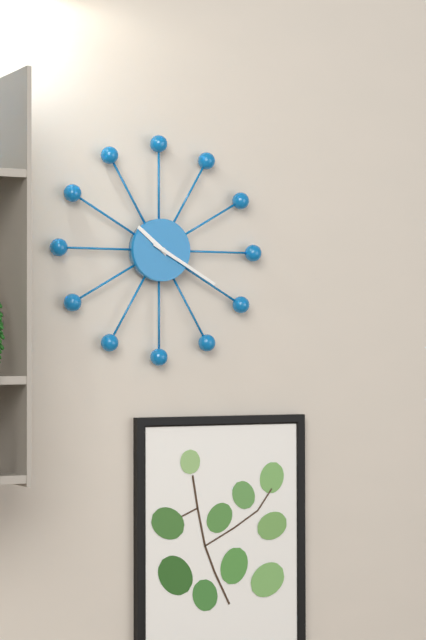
**10:20**
